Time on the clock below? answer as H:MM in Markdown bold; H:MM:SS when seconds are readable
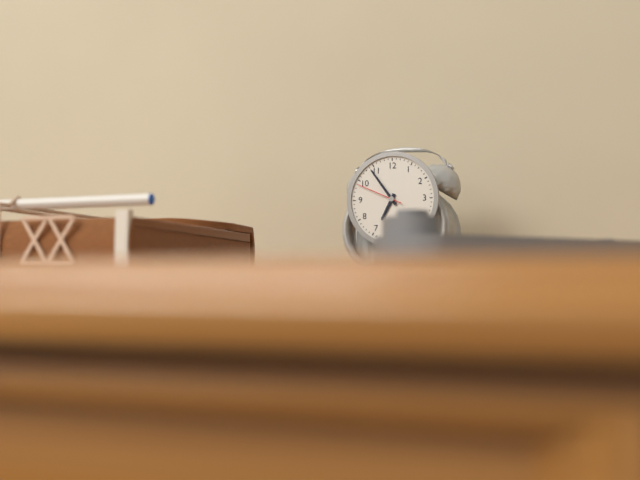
**6:54**
